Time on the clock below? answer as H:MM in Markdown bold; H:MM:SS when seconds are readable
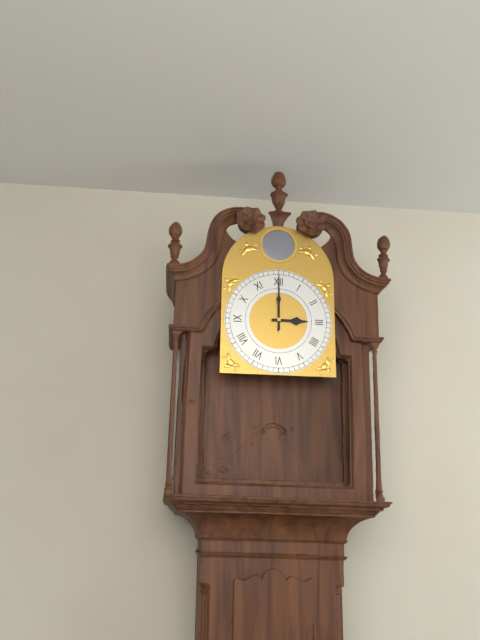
**3:00**
